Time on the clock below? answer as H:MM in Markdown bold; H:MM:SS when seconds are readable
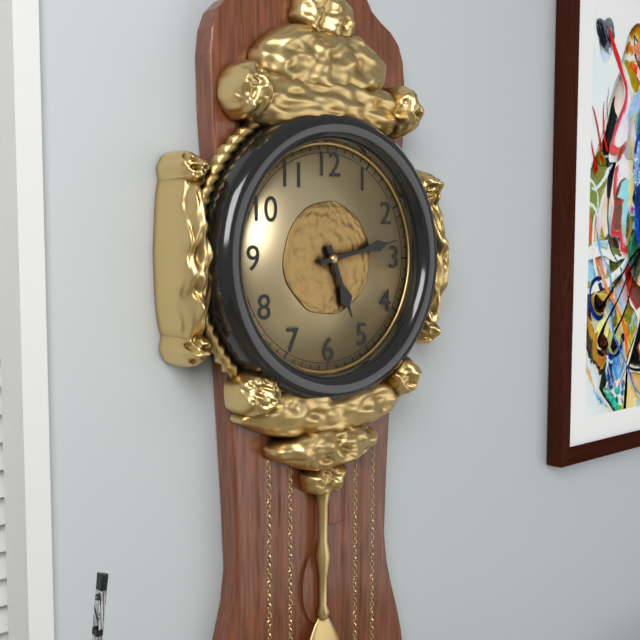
**5:13**
